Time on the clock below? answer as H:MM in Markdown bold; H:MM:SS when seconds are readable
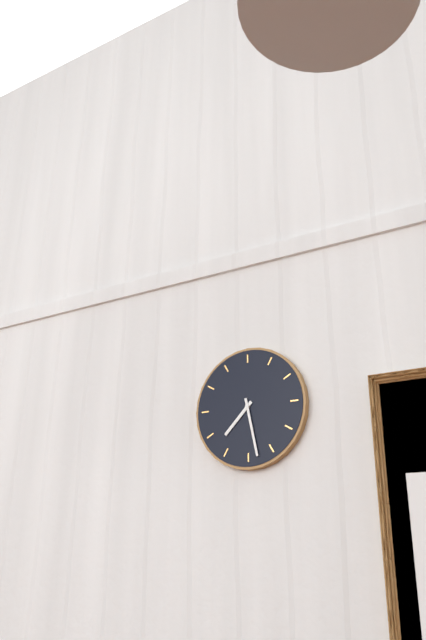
**7:28**
